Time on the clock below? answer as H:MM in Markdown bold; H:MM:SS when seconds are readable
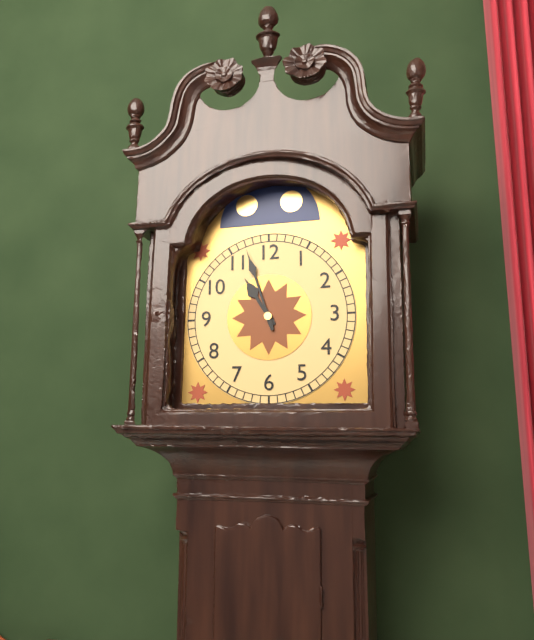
**10:57**
